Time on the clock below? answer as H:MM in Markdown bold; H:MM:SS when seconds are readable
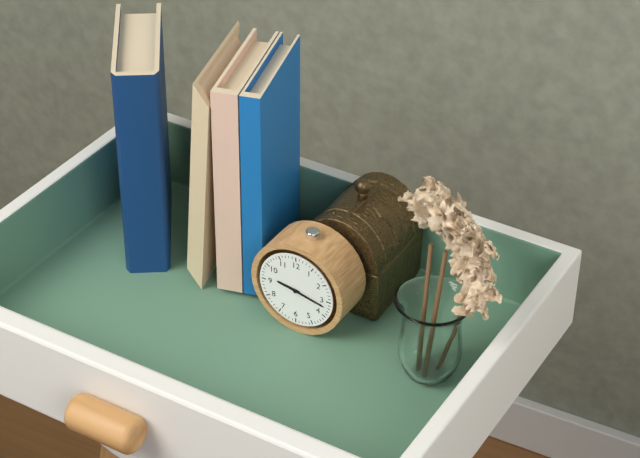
**9:17**
